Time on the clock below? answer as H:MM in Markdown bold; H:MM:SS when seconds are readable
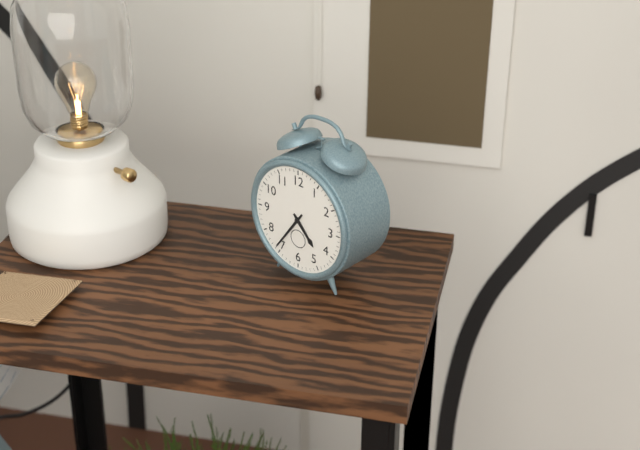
**4:36**
